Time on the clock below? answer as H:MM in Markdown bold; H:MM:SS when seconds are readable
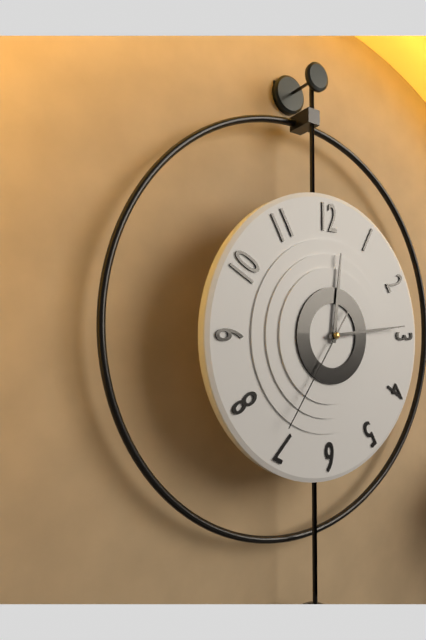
**12:14:36**
